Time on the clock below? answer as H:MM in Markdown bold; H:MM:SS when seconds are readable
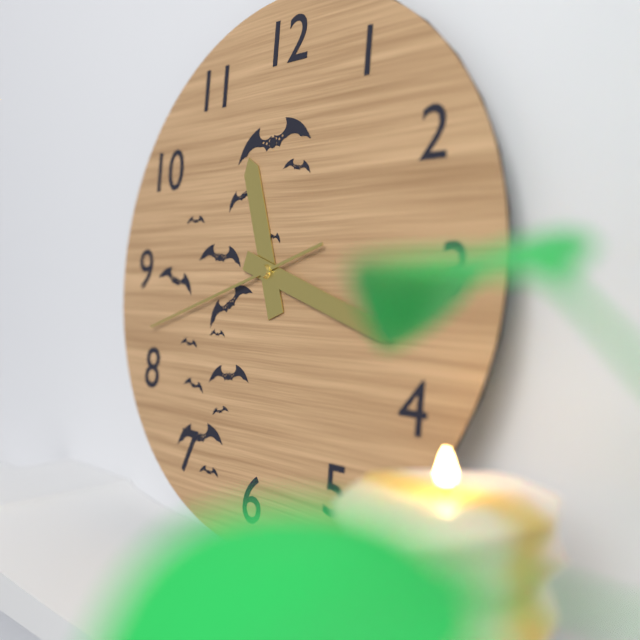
**11:18:42**
